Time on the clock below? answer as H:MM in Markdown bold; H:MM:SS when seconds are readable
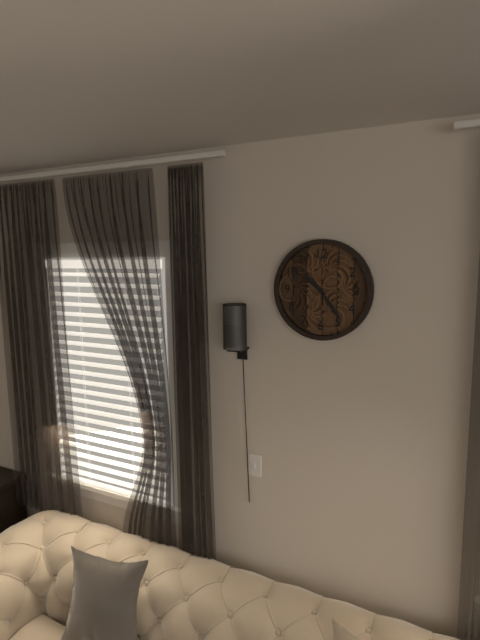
**10:24**
